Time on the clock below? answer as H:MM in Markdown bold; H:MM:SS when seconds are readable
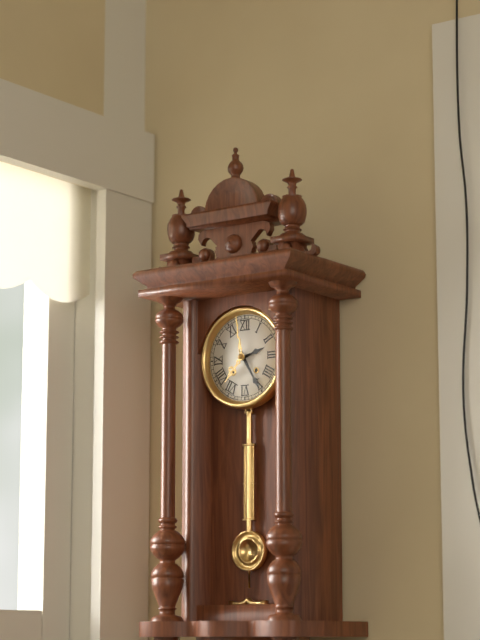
**2:25**
